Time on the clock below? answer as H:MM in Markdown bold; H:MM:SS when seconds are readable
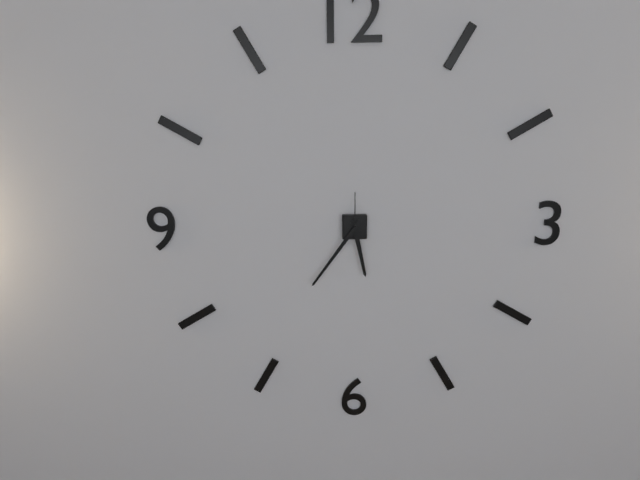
**5:36**
